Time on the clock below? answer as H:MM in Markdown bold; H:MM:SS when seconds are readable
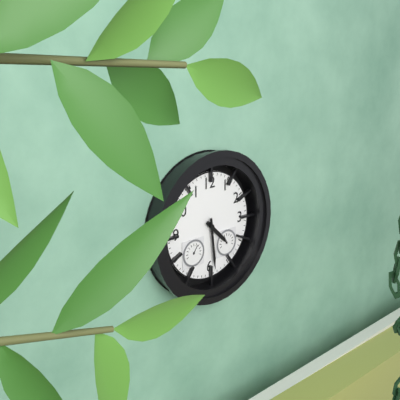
**4:29**
